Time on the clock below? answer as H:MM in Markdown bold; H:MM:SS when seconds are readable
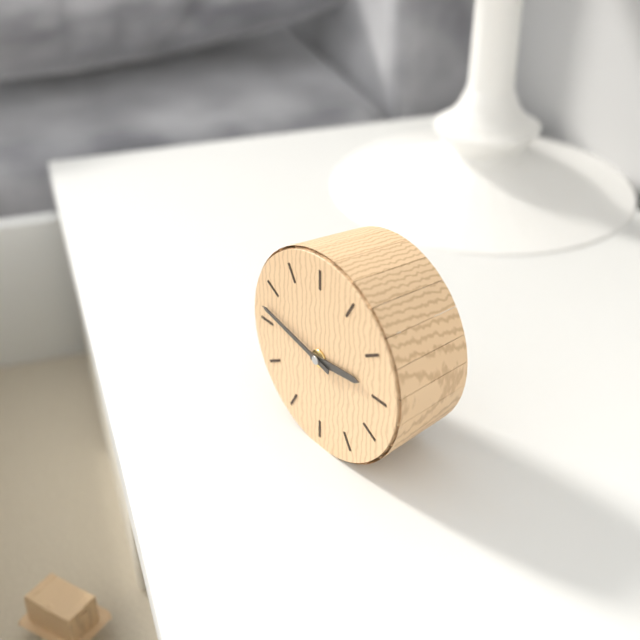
**2:47**
